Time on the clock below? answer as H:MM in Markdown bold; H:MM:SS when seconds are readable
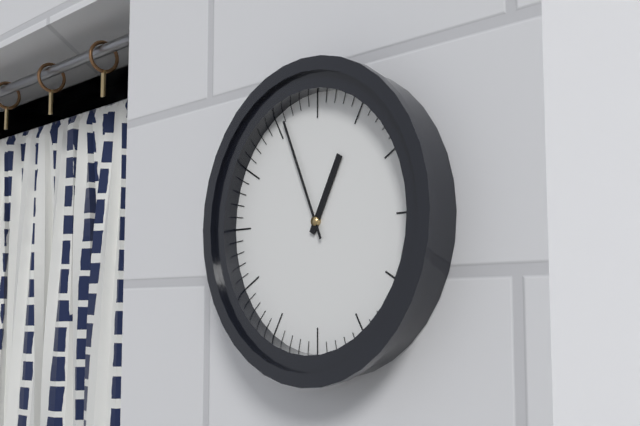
**12:56**
